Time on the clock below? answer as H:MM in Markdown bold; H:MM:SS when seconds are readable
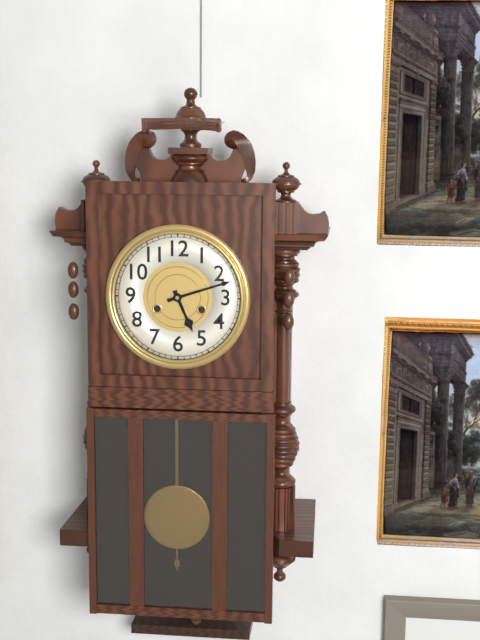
**5:12**
